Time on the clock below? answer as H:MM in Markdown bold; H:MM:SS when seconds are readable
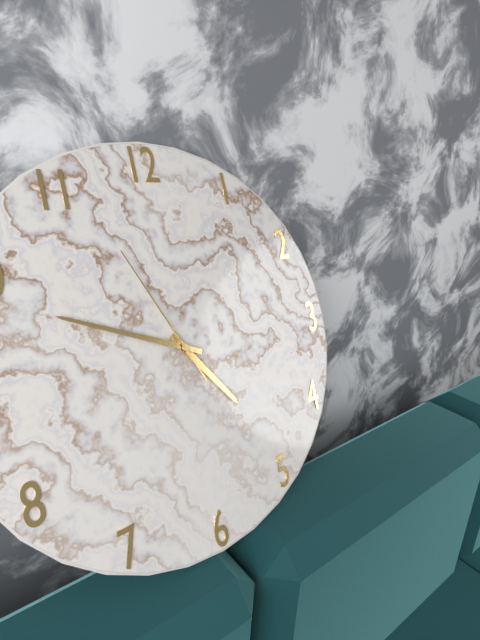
**4:49:56**
